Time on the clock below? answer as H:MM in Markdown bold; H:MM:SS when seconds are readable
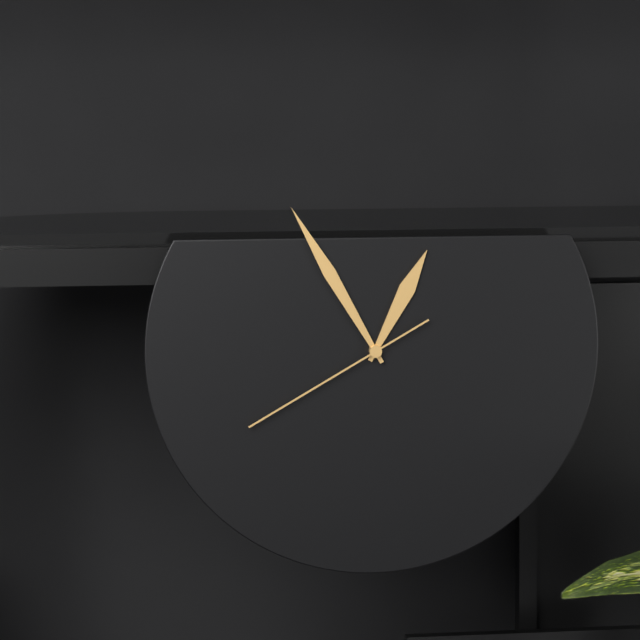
**12:55:40**
